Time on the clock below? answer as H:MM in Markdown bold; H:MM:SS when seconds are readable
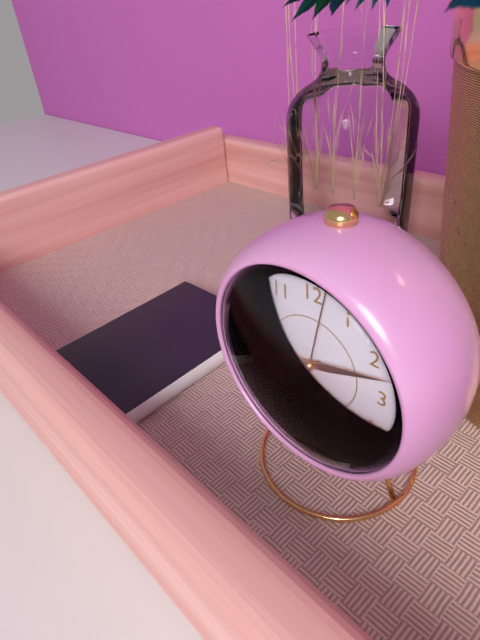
**8:12:02**
